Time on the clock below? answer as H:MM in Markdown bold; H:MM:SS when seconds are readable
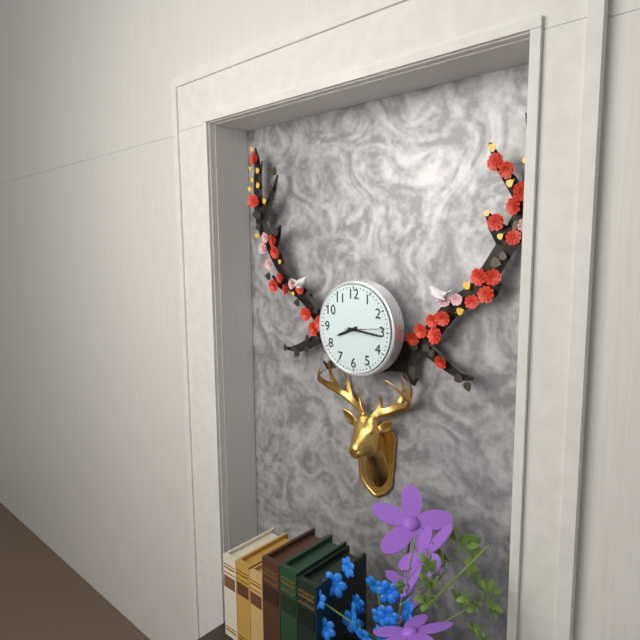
**8:16**
